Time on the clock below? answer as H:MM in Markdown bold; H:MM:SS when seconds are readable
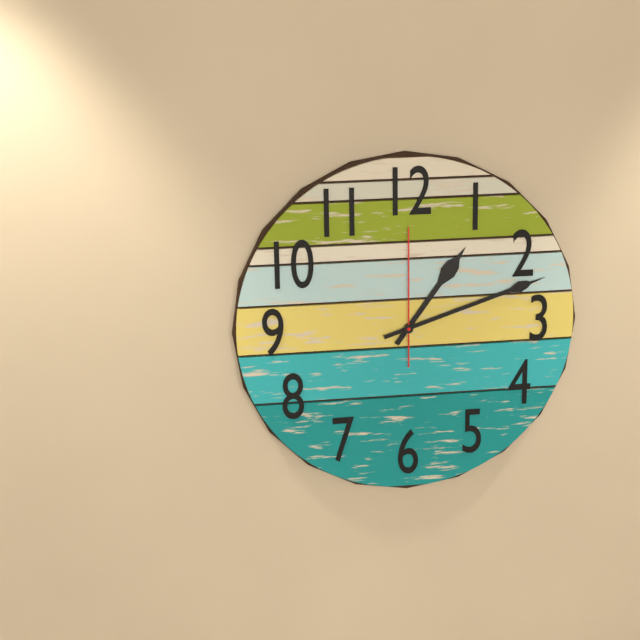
**1:12:00**
